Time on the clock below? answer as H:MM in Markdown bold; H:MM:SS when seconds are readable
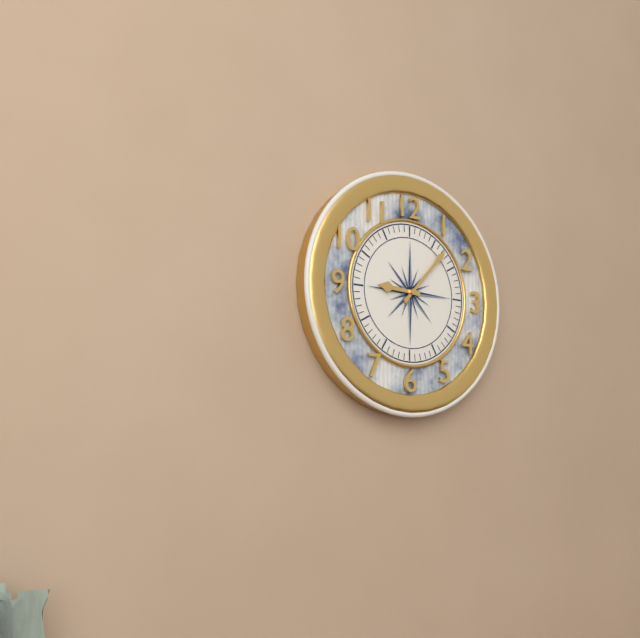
**9:07**
